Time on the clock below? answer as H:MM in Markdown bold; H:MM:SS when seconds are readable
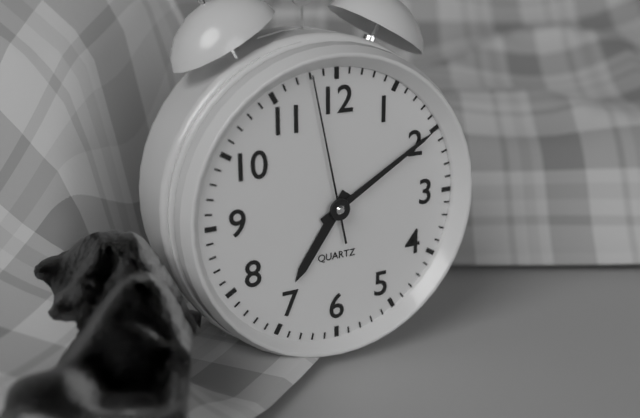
**7:10:58**
